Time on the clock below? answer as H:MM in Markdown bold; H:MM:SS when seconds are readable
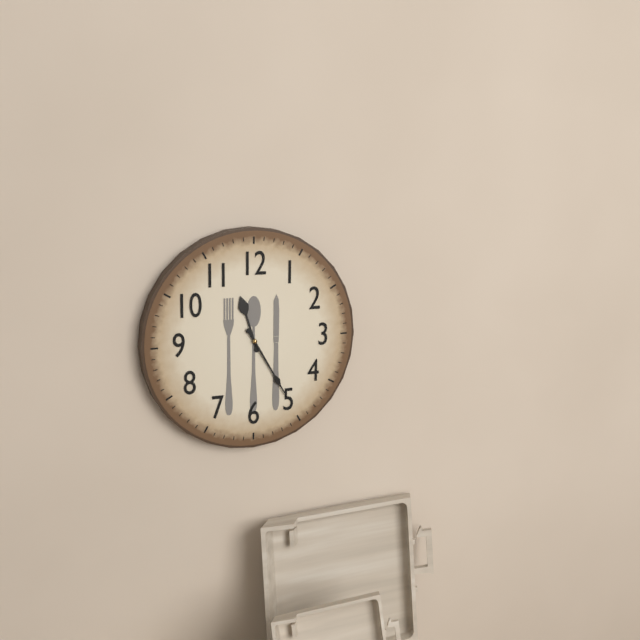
**11:25**
